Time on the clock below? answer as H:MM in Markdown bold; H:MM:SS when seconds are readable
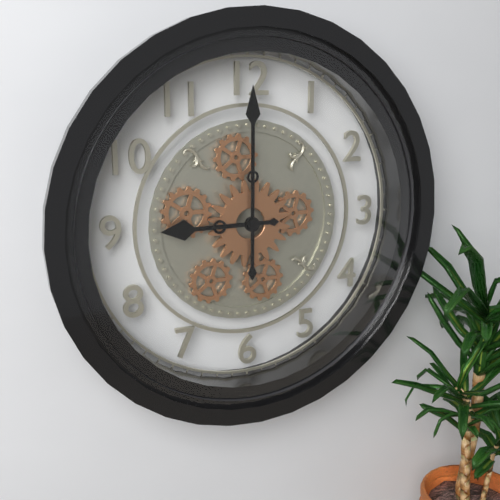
**9:00**
